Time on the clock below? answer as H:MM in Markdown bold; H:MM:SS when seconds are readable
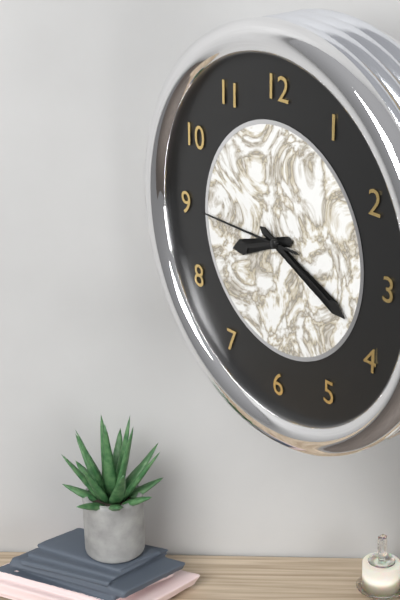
**8:19:45**
